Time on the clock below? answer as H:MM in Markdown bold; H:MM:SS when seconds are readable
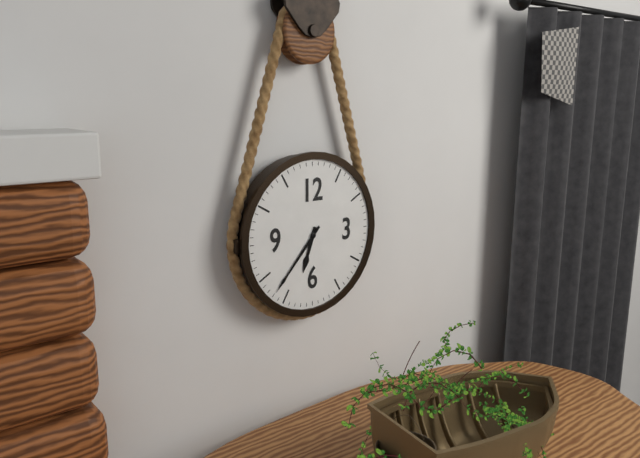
**6:37**
